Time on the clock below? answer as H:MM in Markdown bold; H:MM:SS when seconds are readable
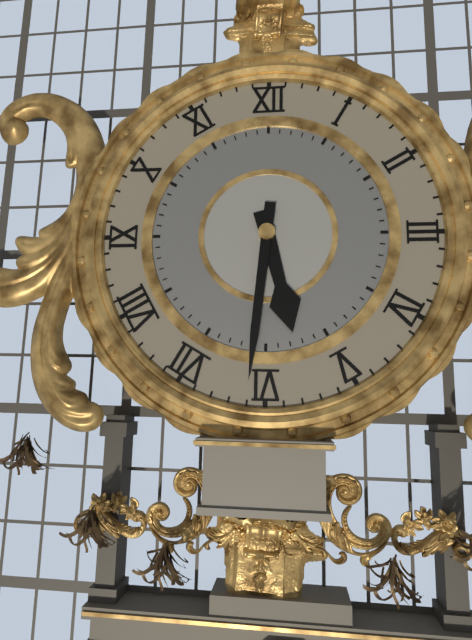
**5:31**
